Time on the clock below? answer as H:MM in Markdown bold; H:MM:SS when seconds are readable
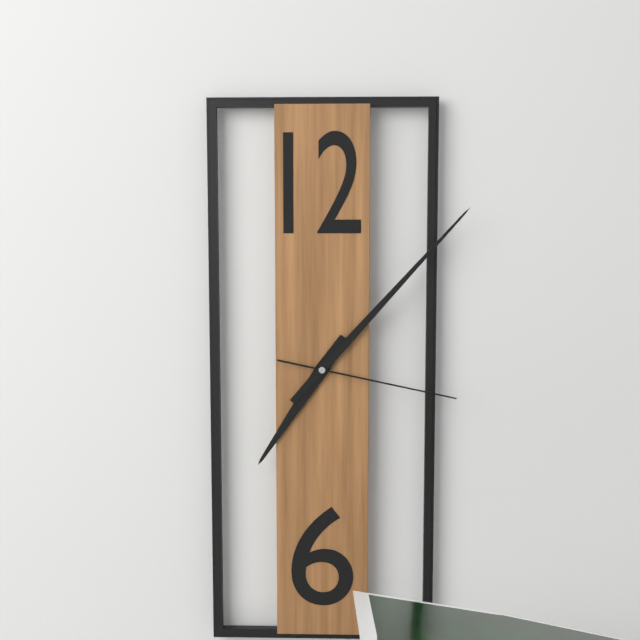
**7:07:17**
